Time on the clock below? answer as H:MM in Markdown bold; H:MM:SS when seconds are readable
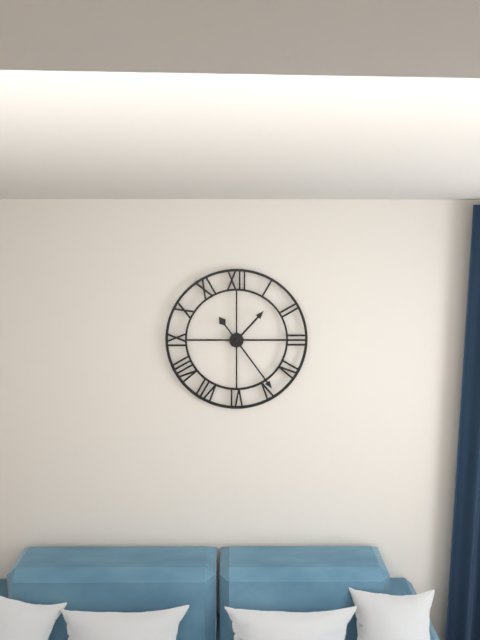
**1:24**
